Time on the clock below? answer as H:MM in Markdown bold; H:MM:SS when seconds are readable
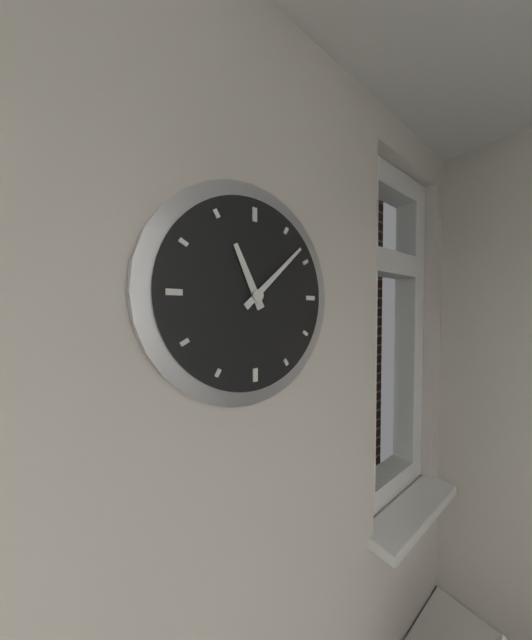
**11:08**
